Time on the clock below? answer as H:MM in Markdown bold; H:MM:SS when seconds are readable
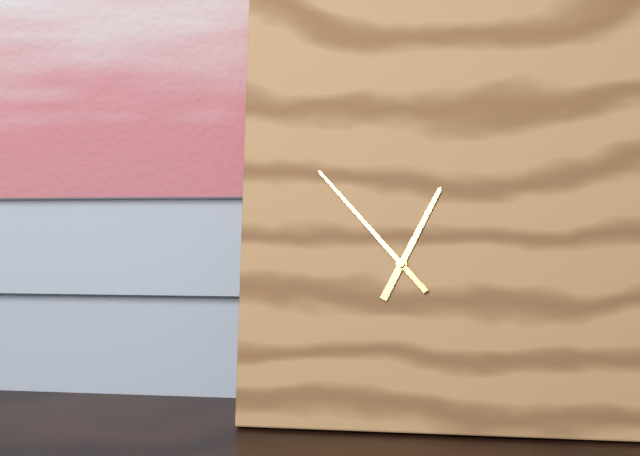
**12:53**
